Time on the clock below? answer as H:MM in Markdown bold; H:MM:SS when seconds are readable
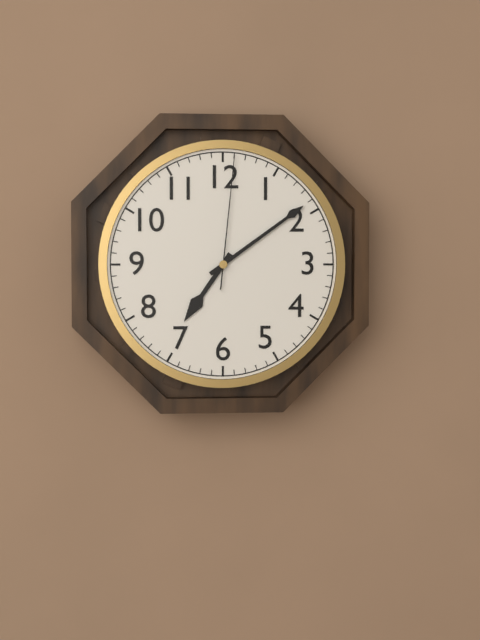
**7:09:01**
